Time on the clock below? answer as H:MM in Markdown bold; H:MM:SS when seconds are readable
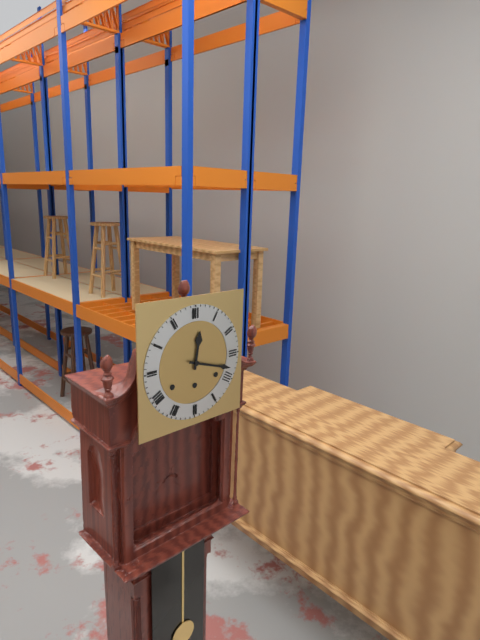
**12:18**
